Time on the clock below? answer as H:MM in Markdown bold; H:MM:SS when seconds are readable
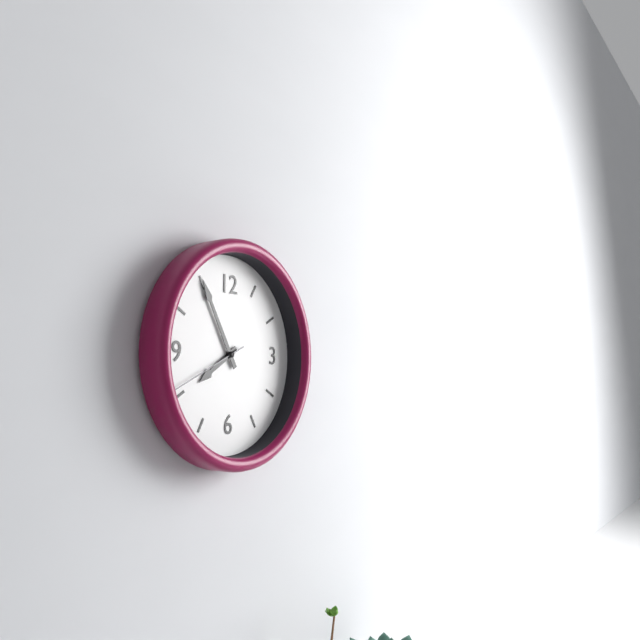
**7:55:41**
